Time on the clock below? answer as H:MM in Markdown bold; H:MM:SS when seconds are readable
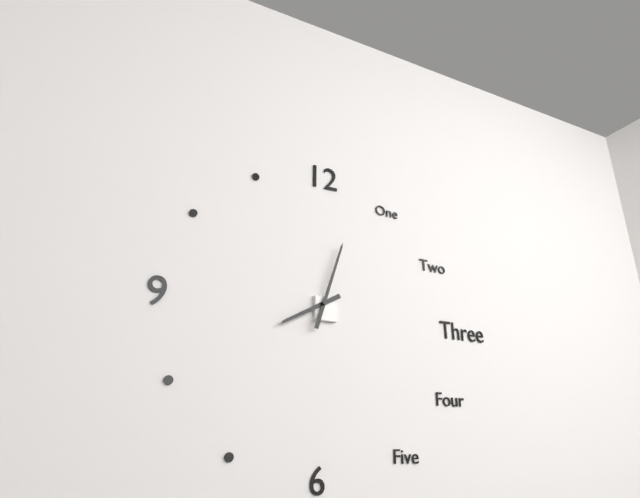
**8:03**
